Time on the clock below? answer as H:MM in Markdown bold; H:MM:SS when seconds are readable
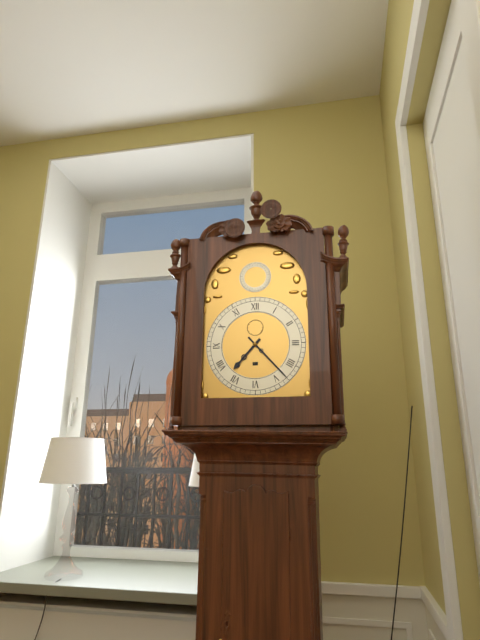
**7:23**
